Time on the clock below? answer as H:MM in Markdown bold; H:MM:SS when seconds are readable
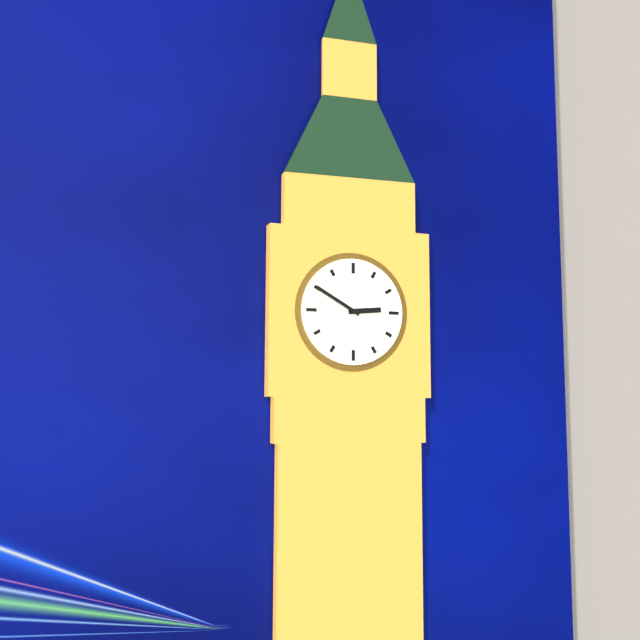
**2:50**
